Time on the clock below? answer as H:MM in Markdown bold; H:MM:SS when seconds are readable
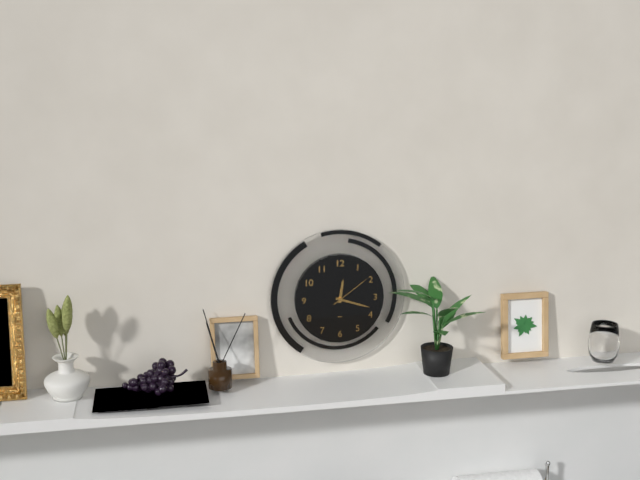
**12:18**
